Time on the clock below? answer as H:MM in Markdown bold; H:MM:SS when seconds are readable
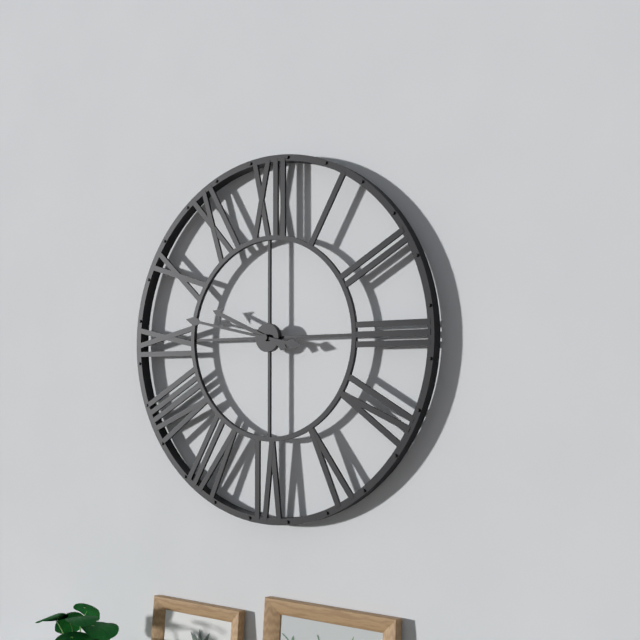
**9:47**
